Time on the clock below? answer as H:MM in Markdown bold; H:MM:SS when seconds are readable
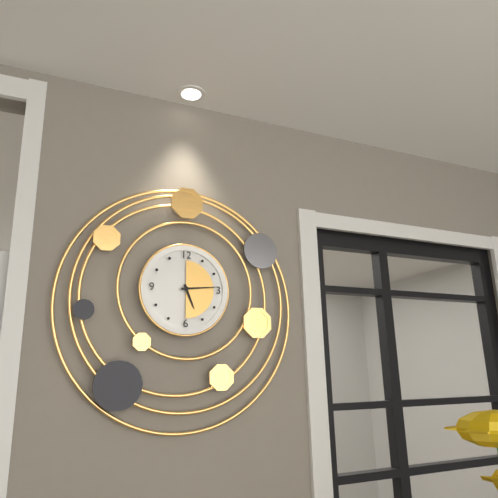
**5:14**
